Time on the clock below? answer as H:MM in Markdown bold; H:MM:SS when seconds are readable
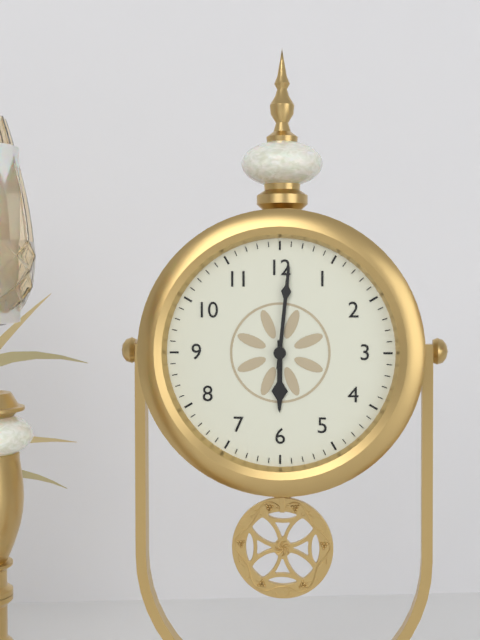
**6:01**
